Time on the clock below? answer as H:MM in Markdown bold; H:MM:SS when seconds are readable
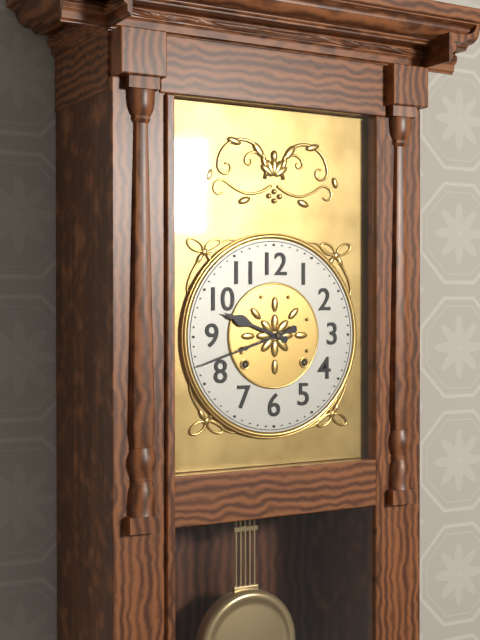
**9:42**
